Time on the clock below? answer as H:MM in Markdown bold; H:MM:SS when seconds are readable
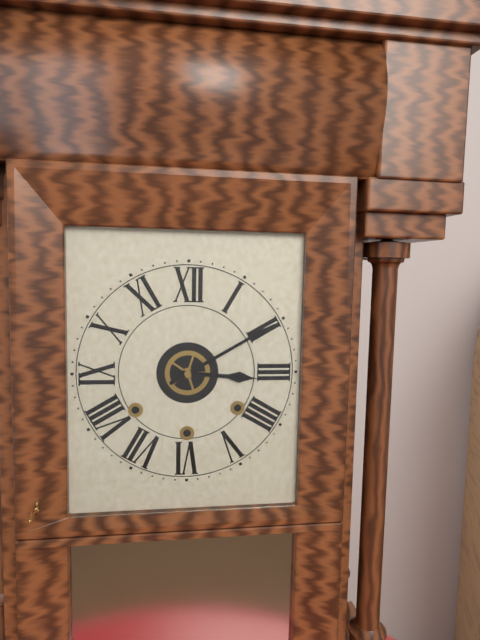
**3:10**
